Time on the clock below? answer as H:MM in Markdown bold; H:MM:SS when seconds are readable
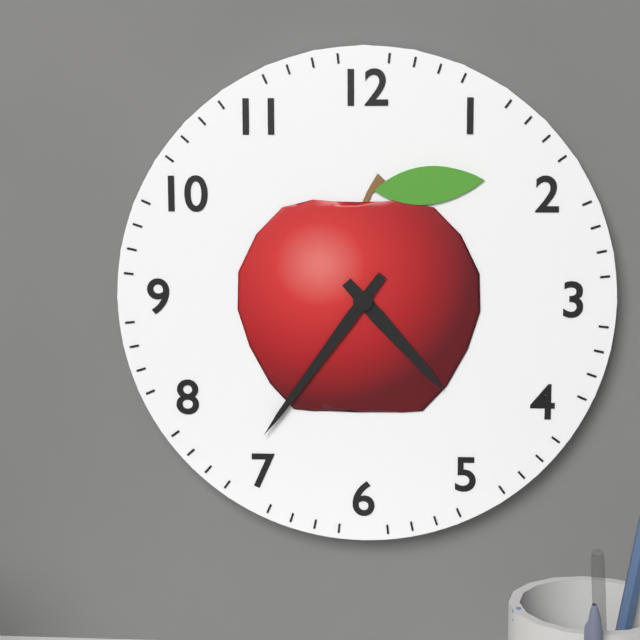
**4:36**
